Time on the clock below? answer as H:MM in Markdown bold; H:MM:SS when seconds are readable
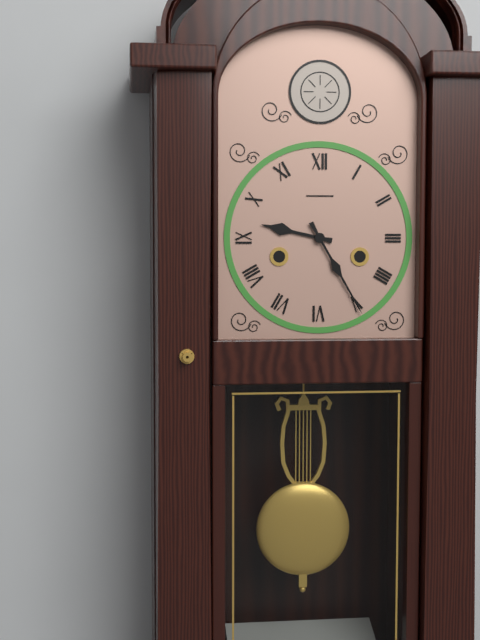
**9:25**
